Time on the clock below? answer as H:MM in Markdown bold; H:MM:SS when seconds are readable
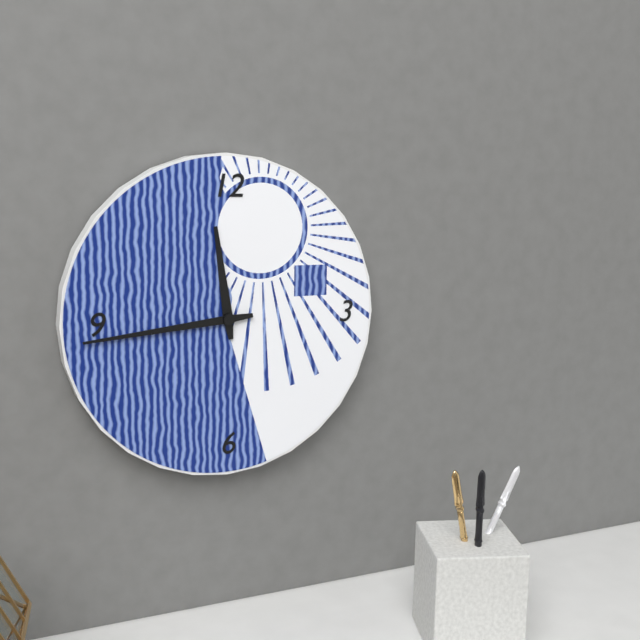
**11:44**
